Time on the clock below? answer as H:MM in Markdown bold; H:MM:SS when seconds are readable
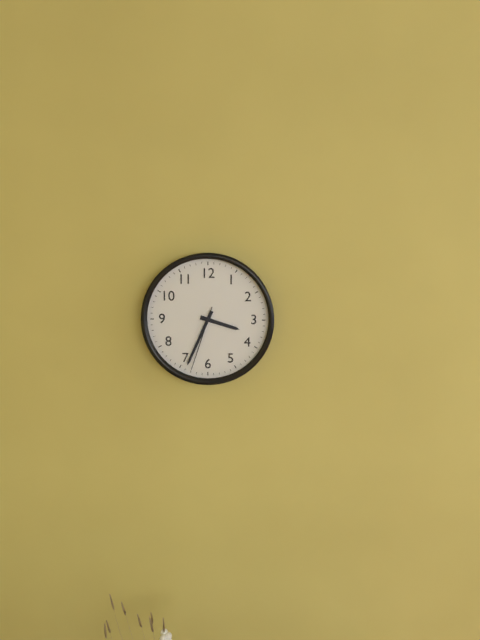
**3:34:33**
